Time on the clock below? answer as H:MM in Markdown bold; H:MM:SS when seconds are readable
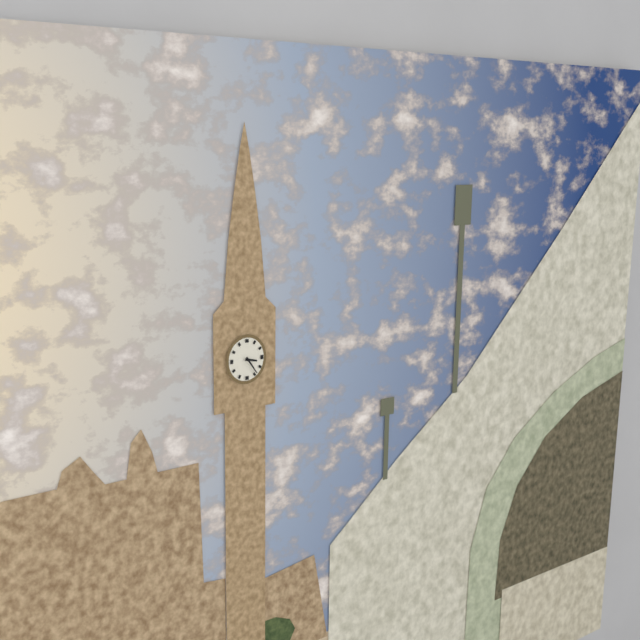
**3:24**
